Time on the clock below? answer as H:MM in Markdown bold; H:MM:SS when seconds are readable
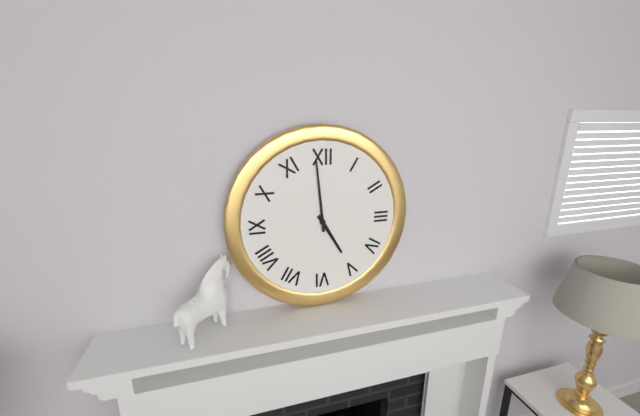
**4:59**
